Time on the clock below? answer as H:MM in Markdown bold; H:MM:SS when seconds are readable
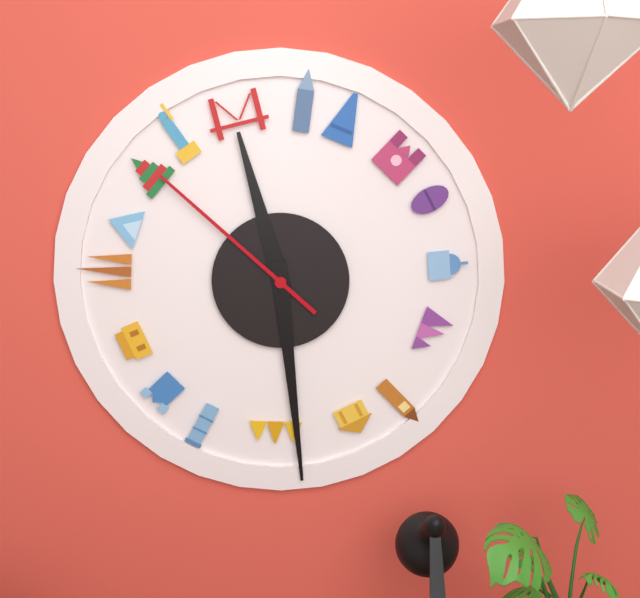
**11:29:52**
